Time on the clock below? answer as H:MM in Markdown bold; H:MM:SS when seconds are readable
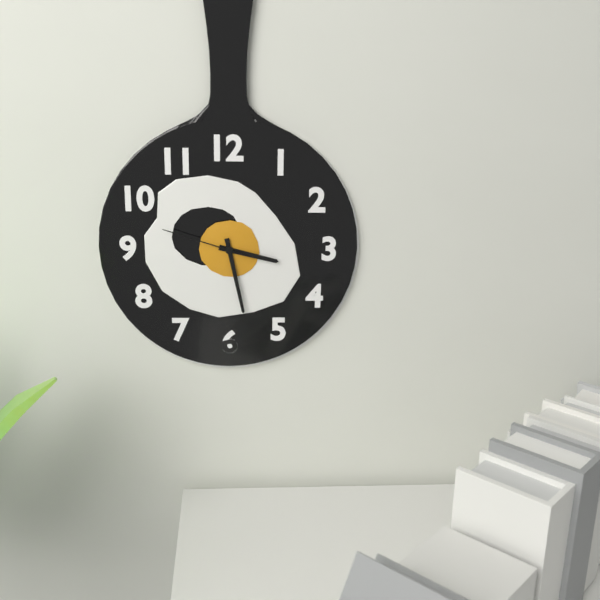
**3:28:48**
